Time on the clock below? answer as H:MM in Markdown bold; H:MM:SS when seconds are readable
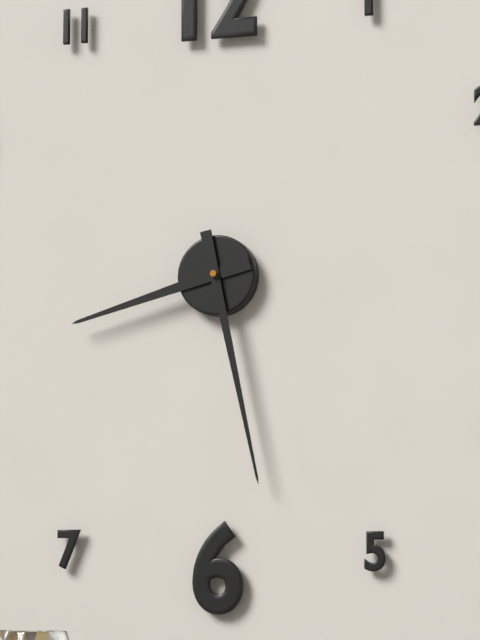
**8:28**
